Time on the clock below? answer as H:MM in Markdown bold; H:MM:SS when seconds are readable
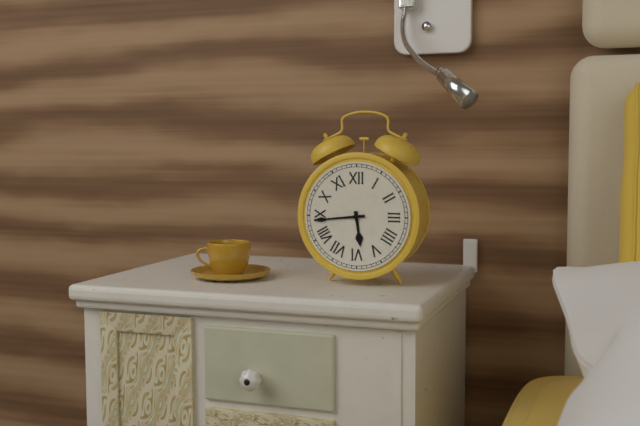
**5:44**
